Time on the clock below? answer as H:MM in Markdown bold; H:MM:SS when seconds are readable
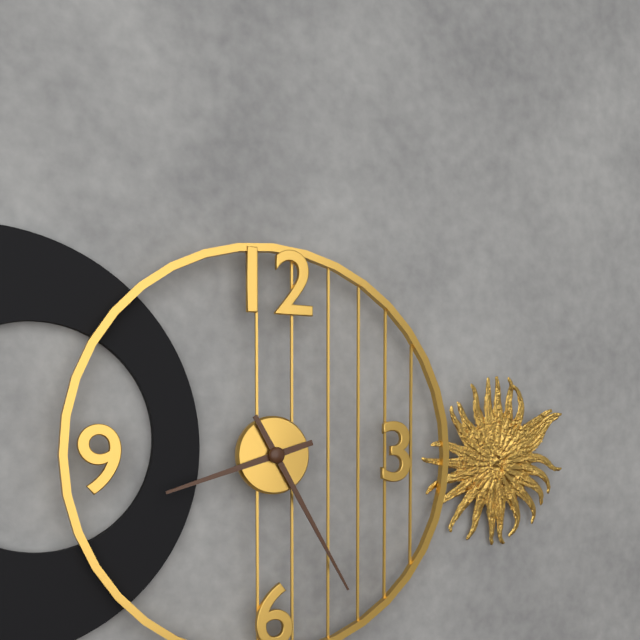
**8:25**
